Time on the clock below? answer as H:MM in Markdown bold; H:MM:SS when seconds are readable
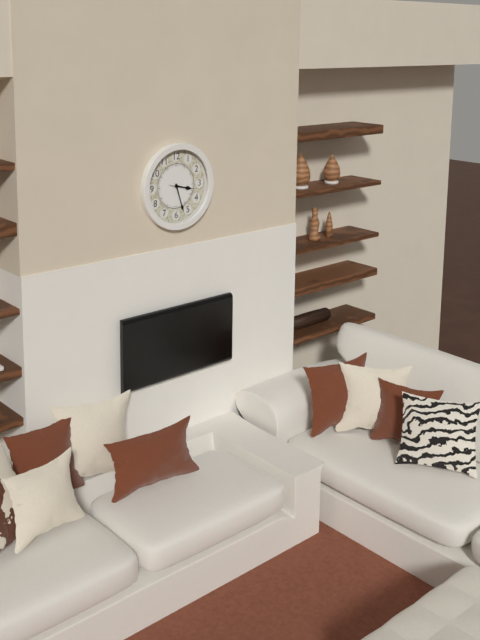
**3:27**
